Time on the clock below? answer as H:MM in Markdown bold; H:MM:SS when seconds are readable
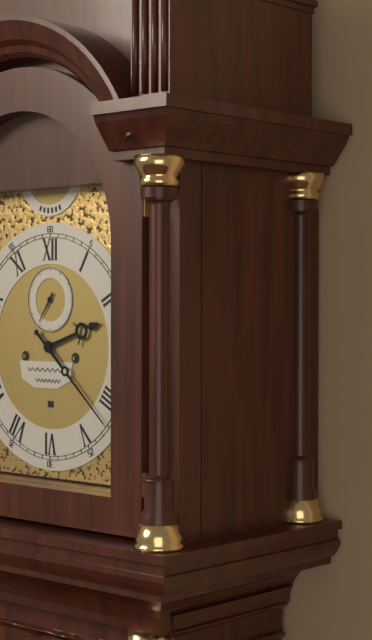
**2:22**
